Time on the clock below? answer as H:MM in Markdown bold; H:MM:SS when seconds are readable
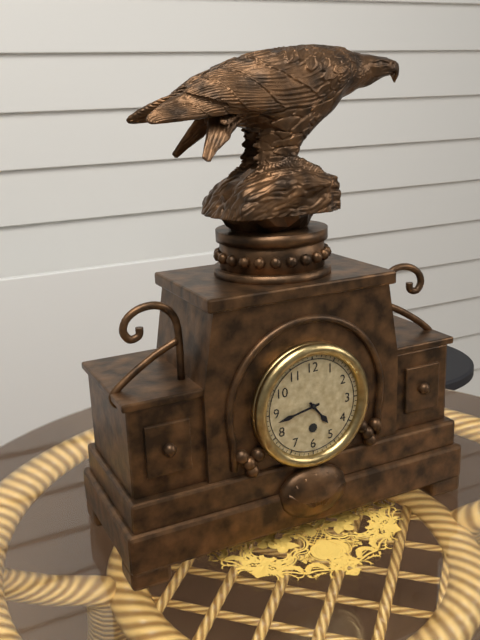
**4:43**
